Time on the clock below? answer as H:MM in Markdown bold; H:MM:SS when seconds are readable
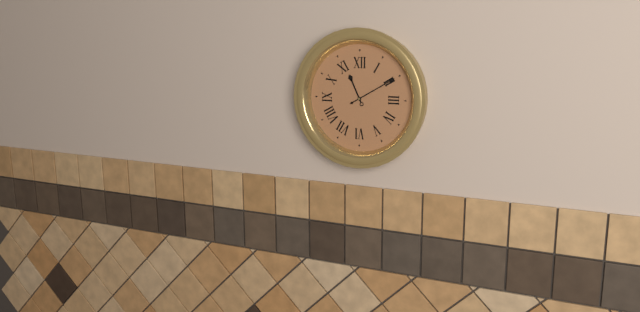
**11:10**
